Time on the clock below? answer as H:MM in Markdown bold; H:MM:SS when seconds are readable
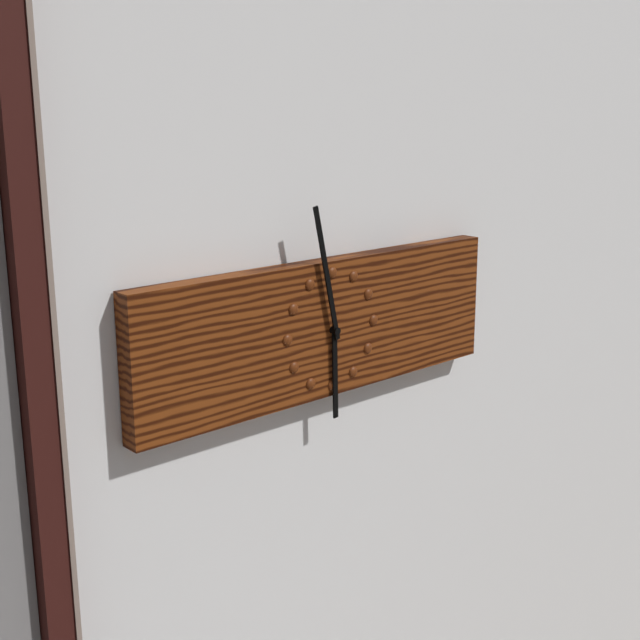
**5:58**
